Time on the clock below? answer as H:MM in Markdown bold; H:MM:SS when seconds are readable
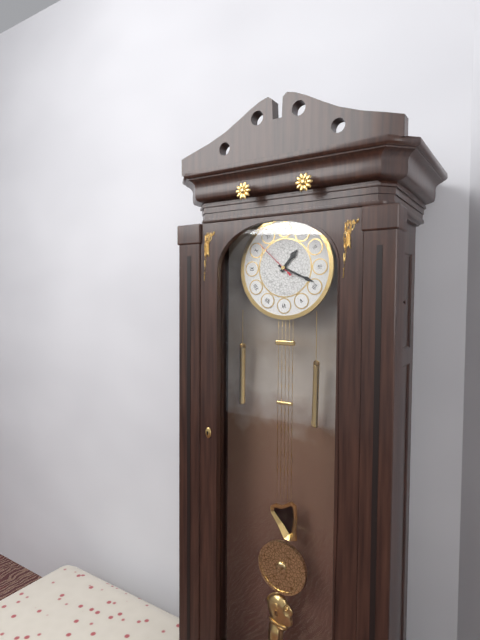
**1:19**
